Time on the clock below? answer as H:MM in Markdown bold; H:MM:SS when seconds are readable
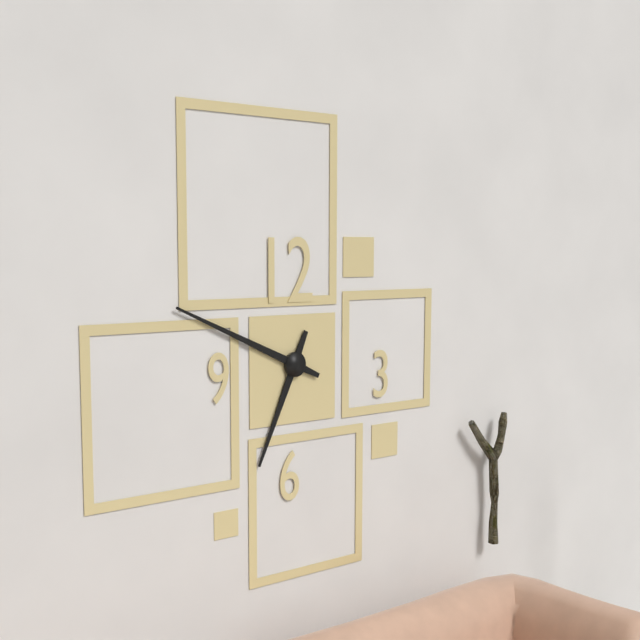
**6:49**
